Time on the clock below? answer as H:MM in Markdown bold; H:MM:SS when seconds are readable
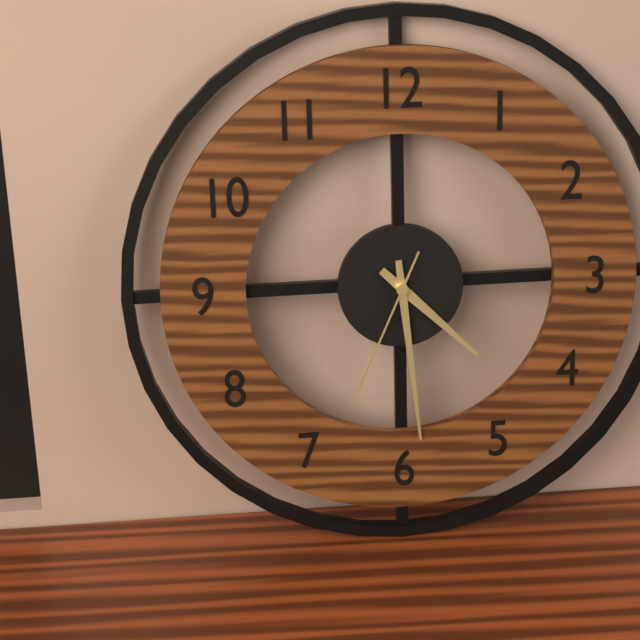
**4:29:34**
